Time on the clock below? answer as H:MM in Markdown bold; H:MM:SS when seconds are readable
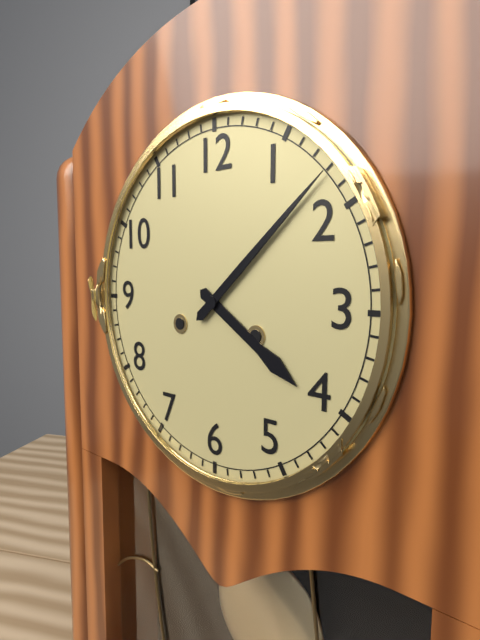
**4:08**
